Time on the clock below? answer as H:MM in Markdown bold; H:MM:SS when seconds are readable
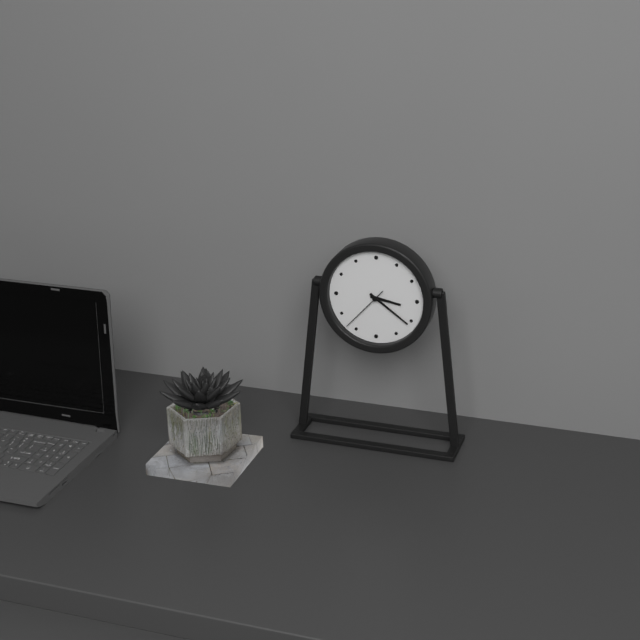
**3:21:37**
